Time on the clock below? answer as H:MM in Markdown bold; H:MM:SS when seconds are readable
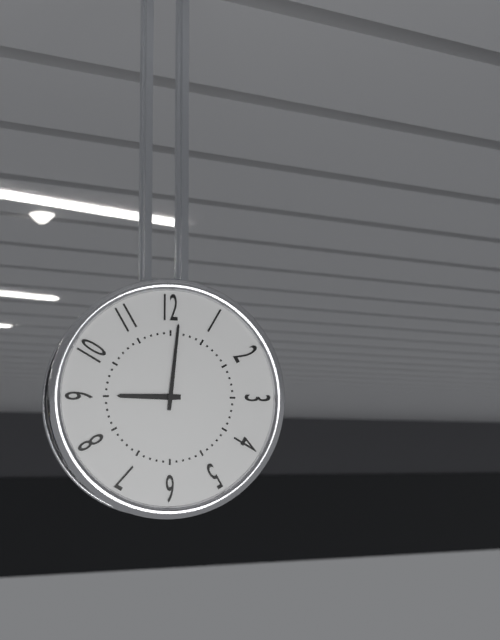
**9:01**
